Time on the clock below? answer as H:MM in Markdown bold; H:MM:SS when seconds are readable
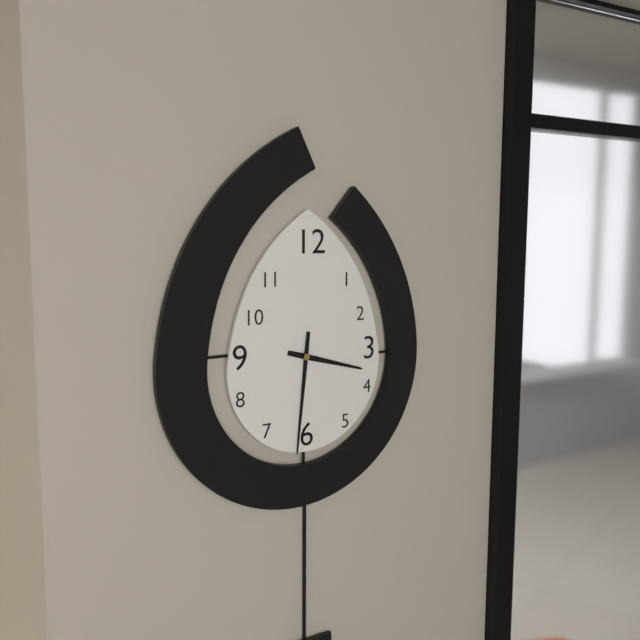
**3:31**
